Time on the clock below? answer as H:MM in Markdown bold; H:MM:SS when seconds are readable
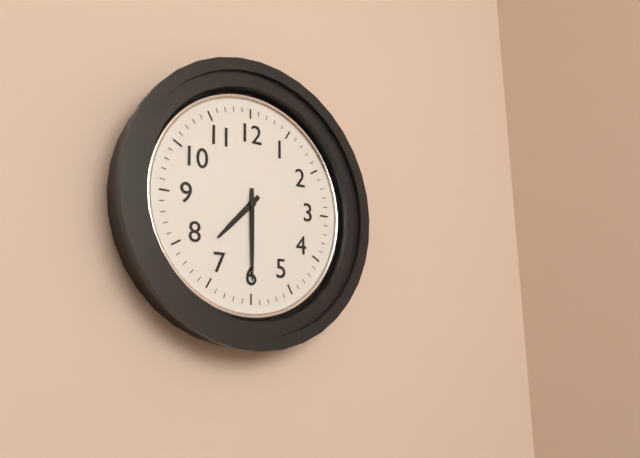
**7:30**
